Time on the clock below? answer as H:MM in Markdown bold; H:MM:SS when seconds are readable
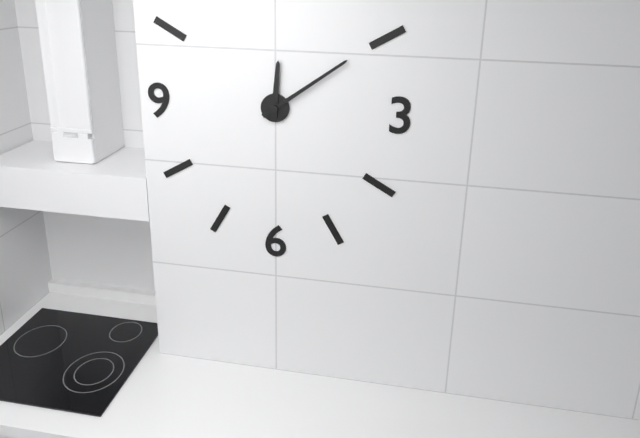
**12:09**
